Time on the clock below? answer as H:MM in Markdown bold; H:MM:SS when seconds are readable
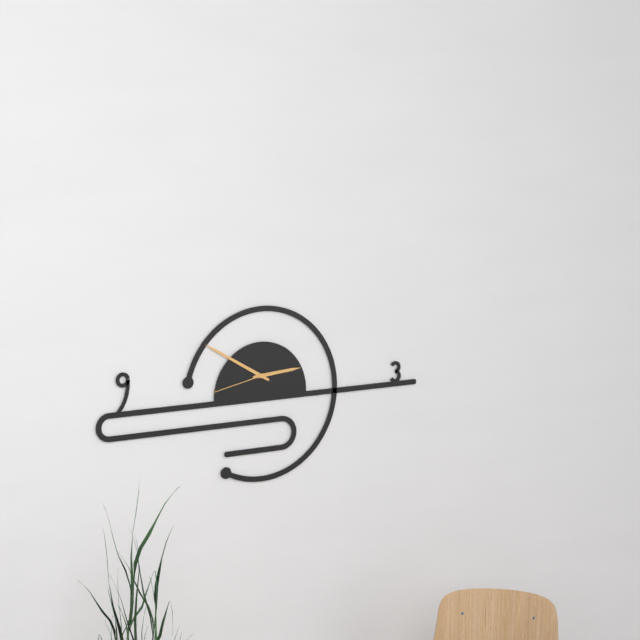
**2:50:43**
